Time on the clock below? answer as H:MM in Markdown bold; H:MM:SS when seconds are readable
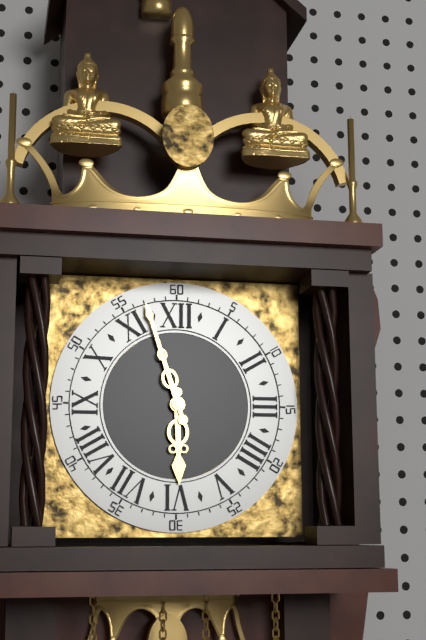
**5:57**
